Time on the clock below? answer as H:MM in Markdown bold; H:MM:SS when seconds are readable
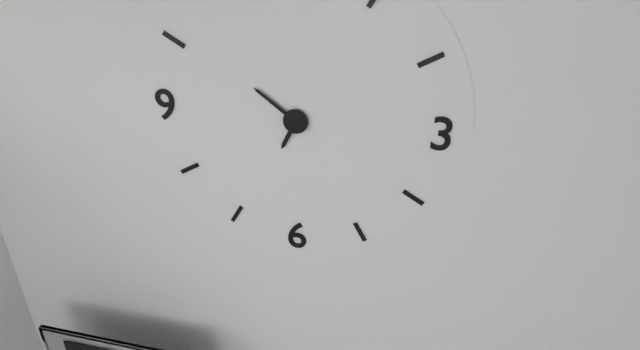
**6:51**
